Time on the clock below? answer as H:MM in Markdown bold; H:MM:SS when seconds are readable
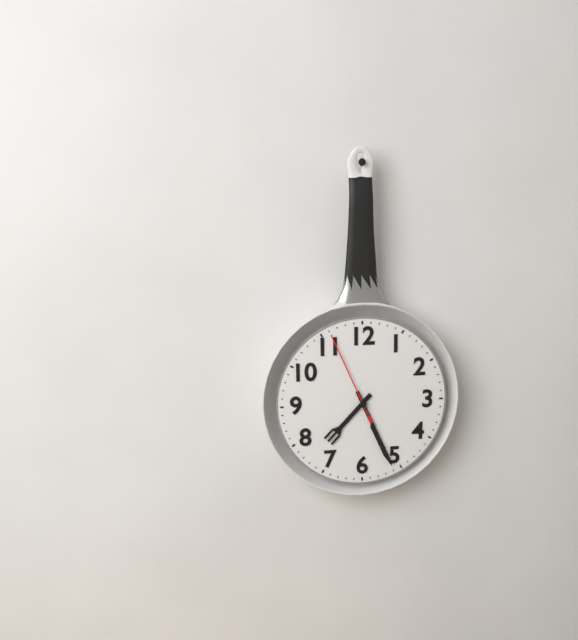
**7:26:56**
